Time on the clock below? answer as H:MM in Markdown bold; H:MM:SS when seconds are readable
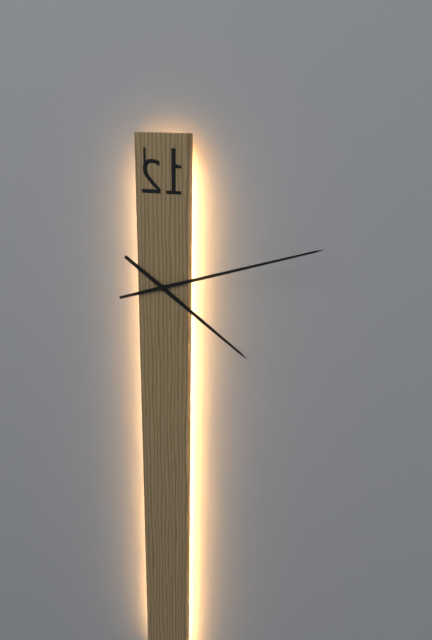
**4:12**
